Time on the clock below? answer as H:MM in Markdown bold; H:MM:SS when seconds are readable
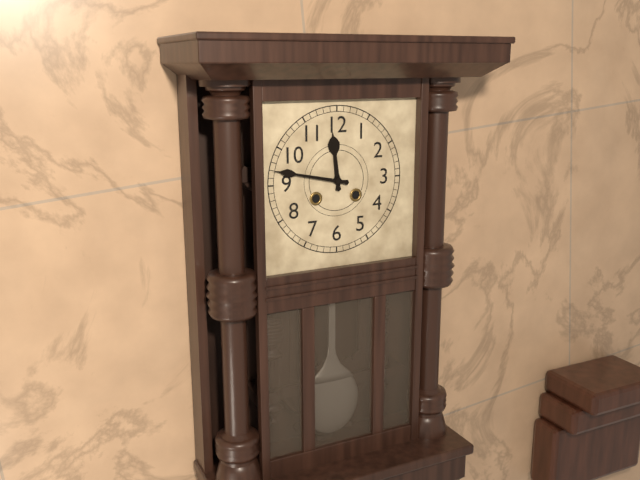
**11:47**
